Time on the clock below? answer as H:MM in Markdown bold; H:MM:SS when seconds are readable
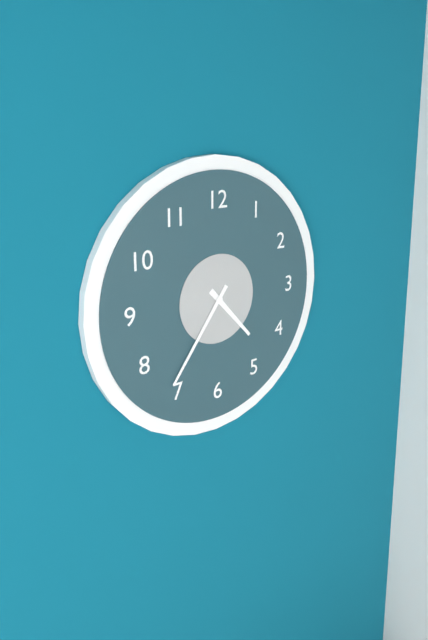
**4:36**
